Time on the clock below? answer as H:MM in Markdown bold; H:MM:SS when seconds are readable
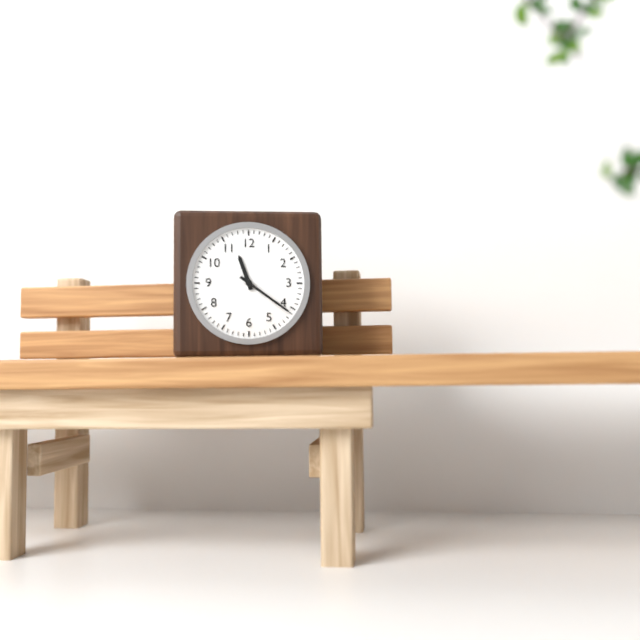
**11:21**
